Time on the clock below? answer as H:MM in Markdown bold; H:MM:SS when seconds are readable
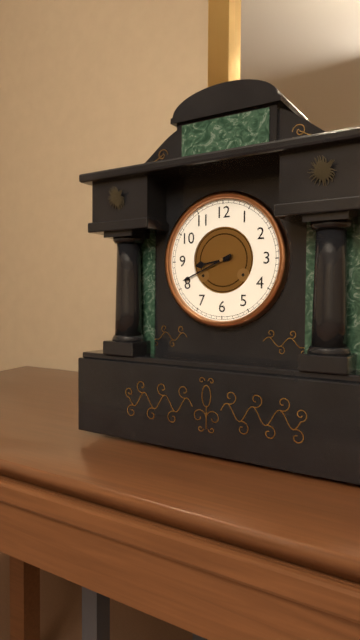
**8:41**
